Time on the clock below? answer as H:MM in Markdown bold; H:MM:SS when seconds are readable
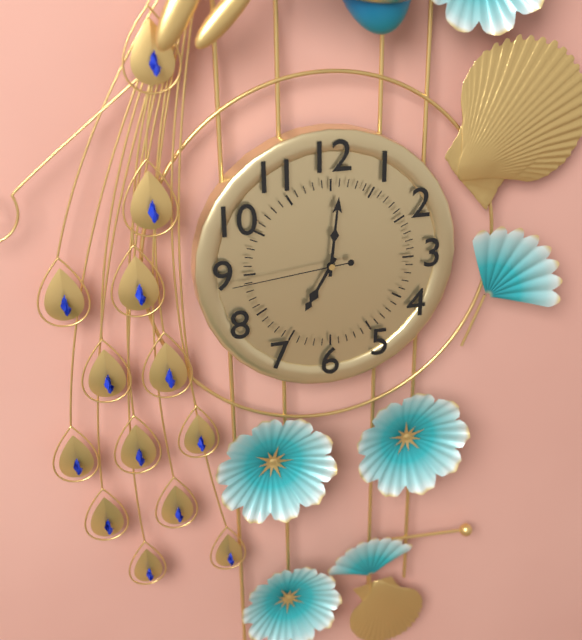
**7:01:44**
